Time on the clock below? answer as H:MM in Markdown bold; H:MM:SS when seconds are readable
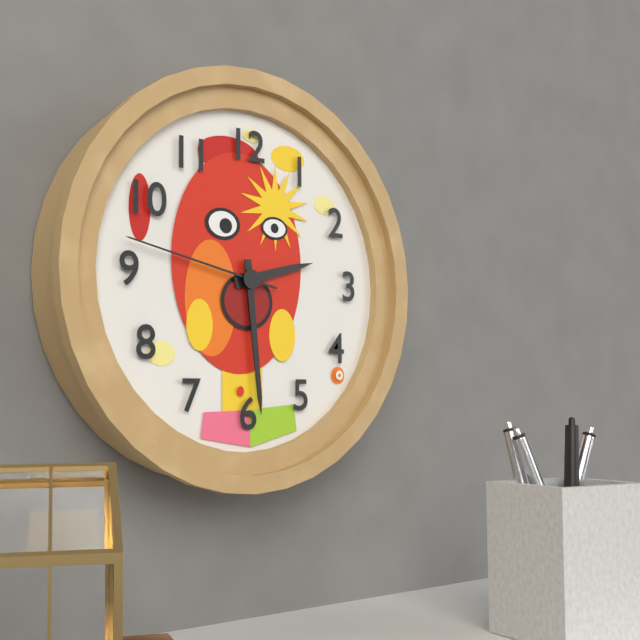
**2:29:47**
